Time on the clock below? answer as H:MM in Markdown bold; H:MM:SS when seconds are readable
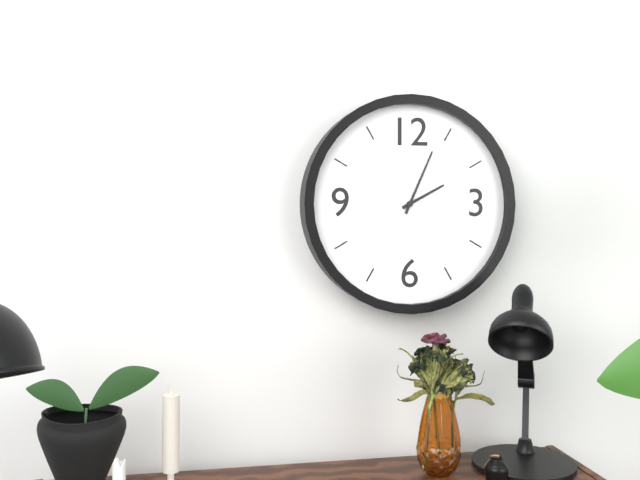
**2:04**
